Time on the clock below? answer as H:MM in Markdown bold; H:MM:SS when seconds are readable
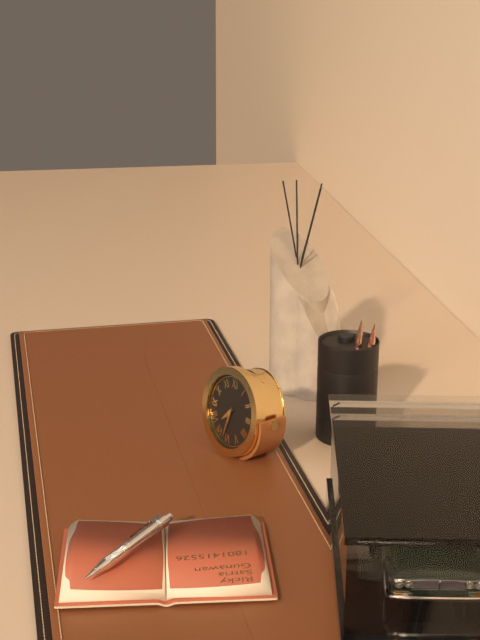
**7:32**
